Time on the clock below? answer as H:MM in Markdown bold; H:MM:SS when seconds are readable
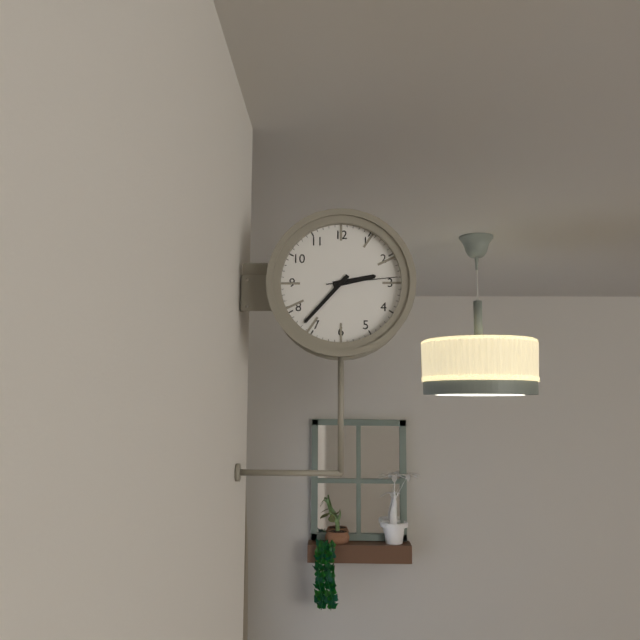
**2:37:14**
